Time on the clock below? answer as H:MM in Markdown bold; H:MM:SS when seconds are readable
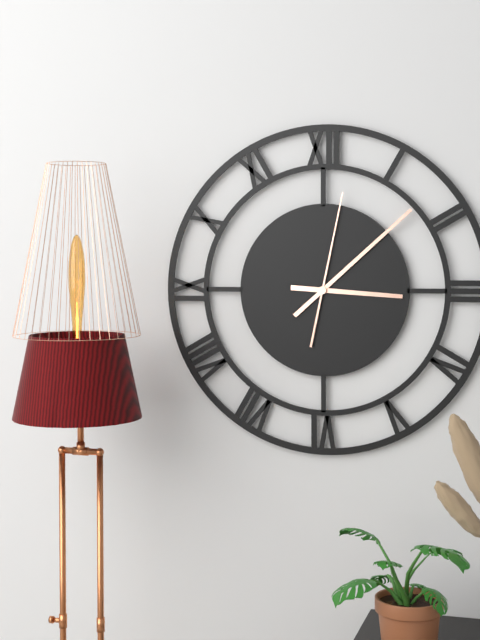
**3:08:02**
